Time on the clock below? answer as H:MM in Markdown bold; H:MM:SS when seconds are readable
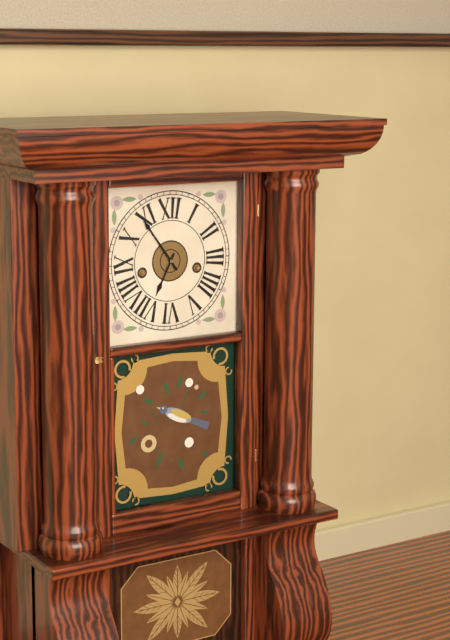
**6:54**
